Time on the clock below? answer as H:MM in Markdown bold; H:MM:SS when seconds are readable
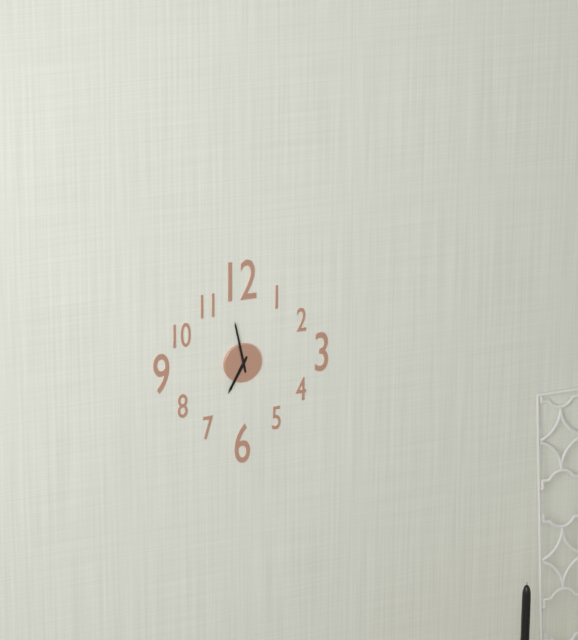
**6:58**
